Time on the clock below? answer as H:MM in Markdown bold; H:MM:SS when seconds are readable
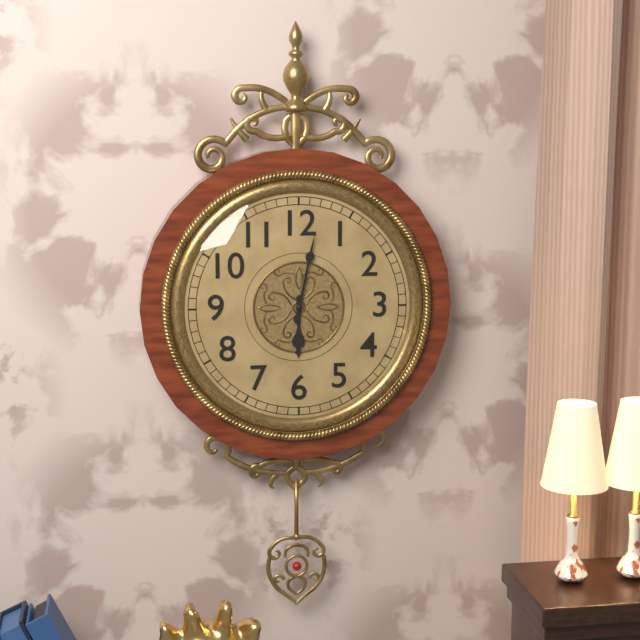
**6:02**
